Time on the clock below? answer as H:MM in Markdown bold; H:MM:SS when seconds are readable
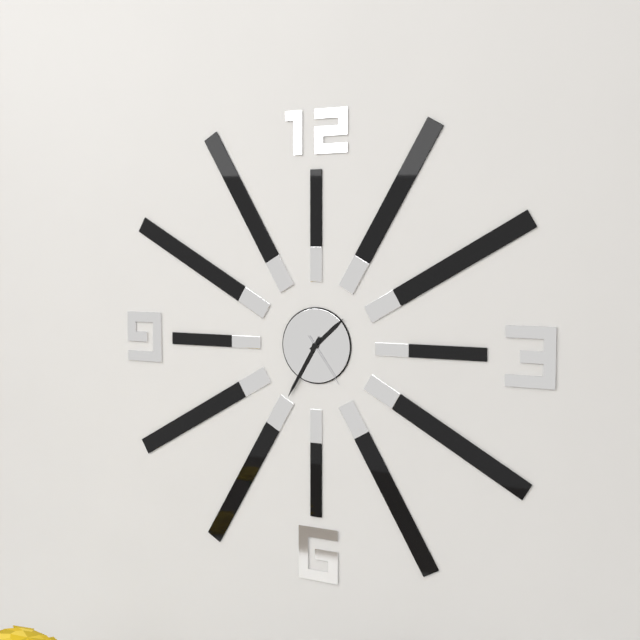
**1:35:24**
